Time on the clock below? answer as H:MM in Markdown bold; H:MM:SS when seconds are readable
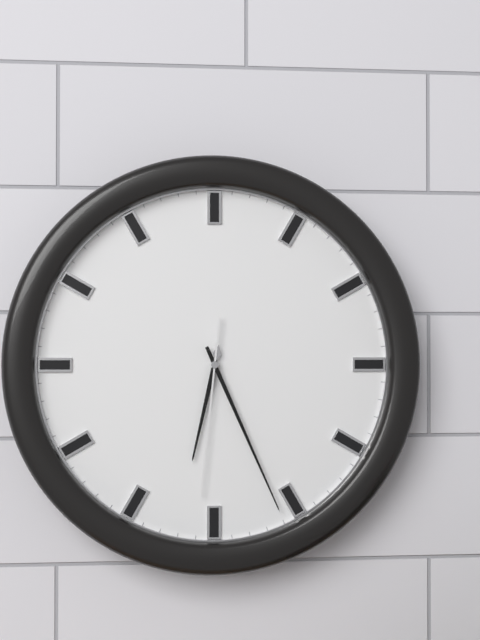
**6:26:31**
